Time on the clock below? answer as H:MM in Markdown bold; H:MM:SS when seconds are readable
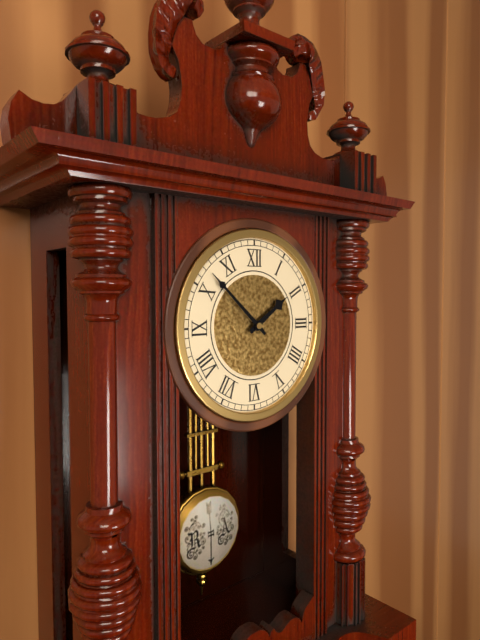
**1:52**
